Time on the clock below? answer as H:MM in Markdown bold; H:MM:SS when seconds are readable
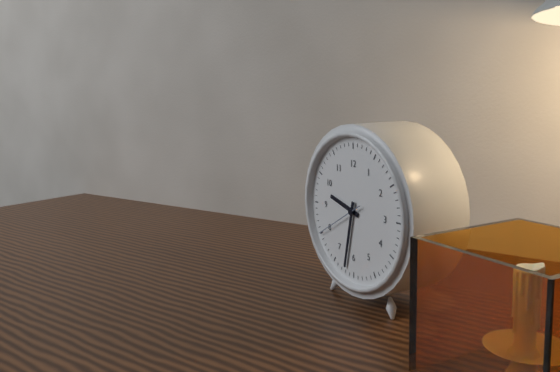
**9:32**
